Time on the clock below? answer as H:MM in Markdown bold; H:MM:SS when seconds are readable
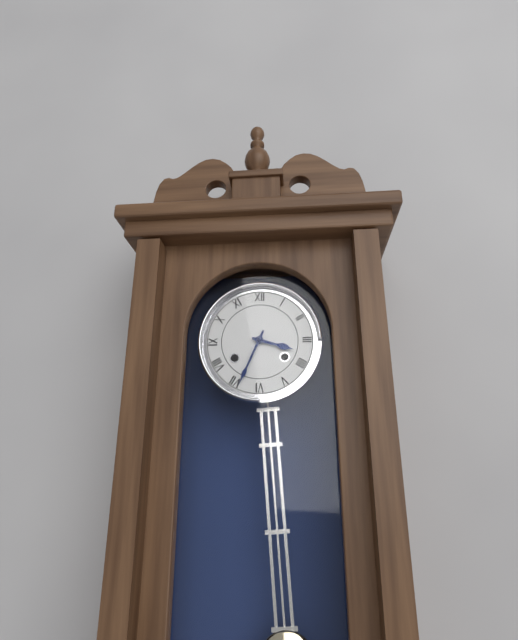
**3:34**
